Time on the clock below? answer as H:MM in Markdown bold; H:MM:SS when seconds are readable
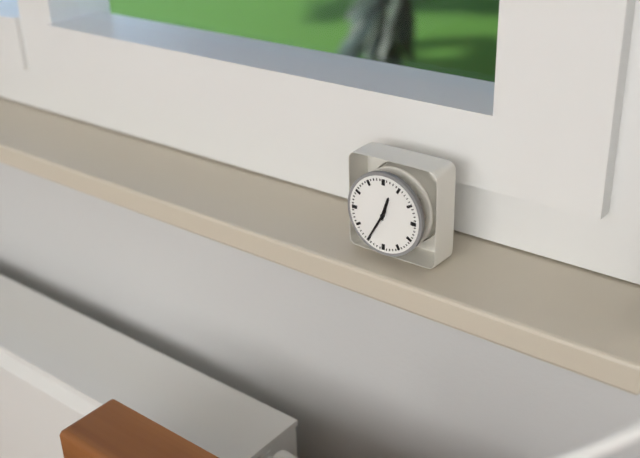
**12:35**
